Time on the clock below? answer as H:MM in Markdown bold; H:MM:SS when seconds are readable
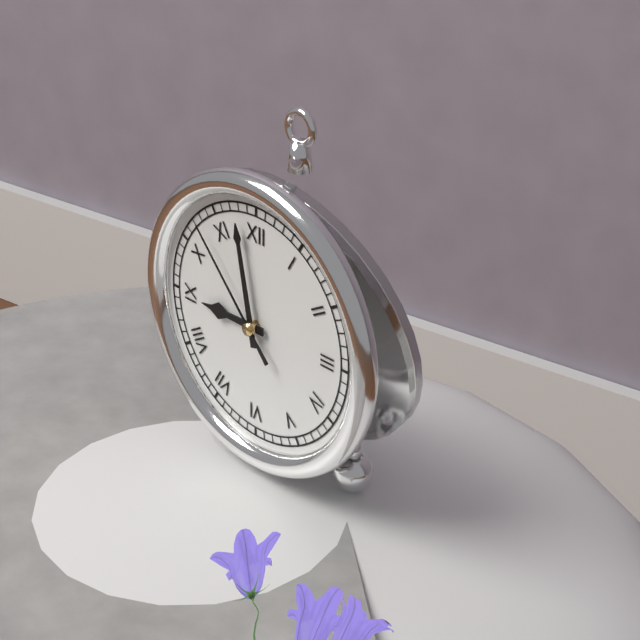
**8:58:53**
